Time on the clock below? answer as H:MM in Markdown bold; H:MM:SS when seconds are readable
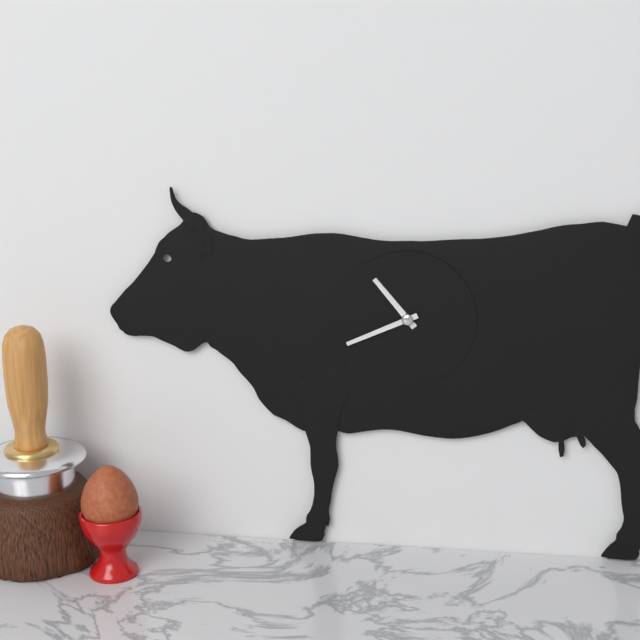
**10:41**
